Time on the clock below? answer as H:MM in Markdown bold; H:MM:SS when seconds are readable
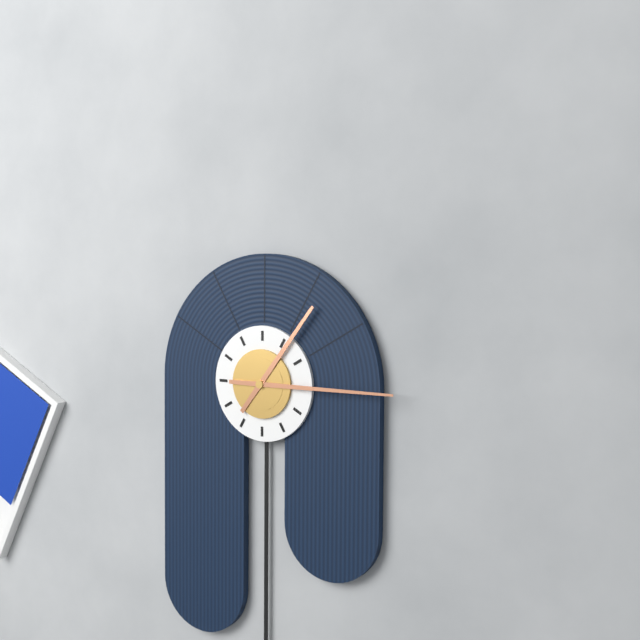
**1:15**
